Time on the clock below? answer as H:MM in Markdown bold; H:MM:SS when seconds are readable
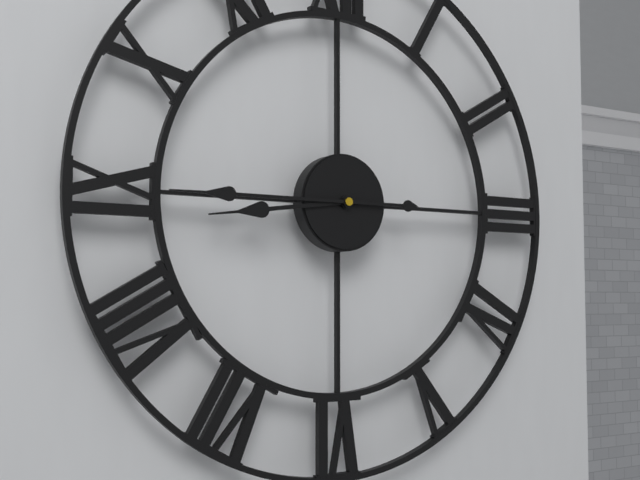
**8:45**
